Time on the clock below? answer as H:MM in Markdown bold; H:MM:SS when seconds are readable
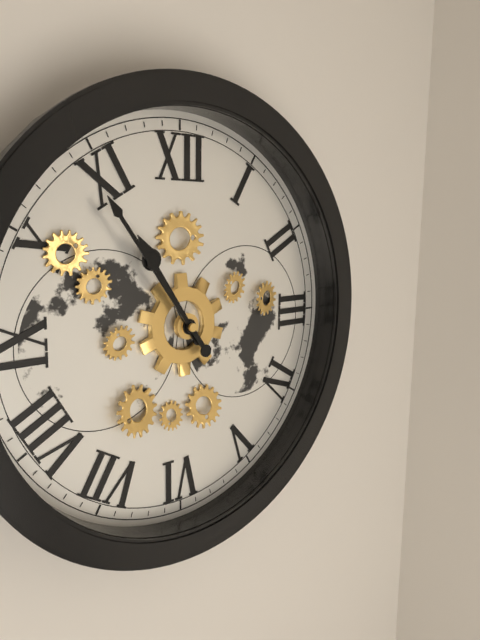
**10:54**
